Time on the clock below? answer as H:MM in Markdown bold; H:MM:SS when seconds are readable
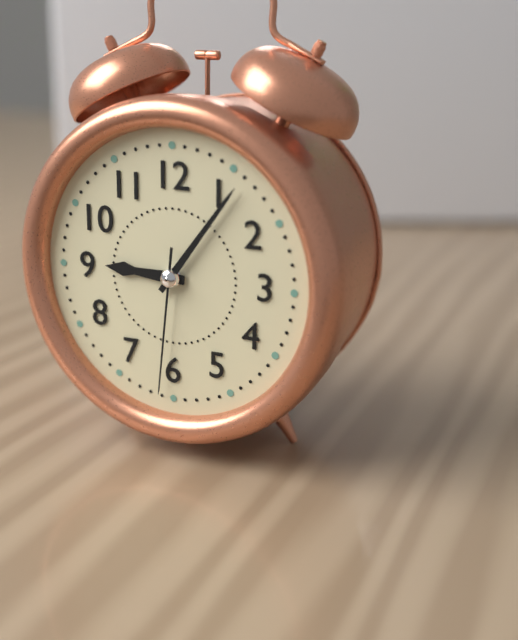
**9:06:31**
